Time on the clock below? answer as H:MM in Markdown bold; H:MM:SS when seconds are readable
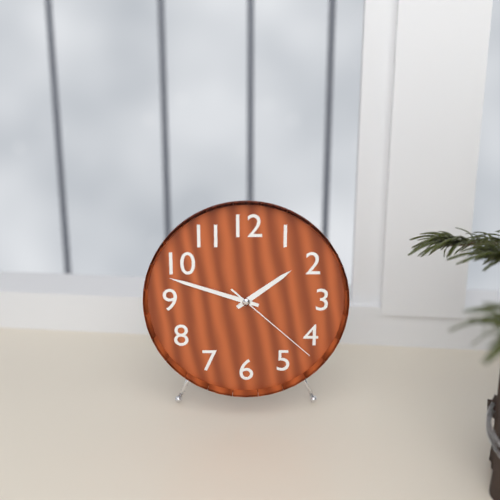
**1:48:22**
